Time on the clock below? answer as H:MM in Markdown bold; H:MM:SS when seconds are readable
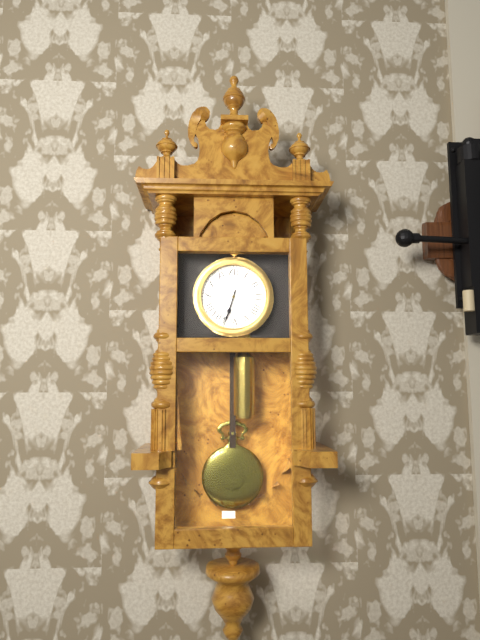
**6:33**
